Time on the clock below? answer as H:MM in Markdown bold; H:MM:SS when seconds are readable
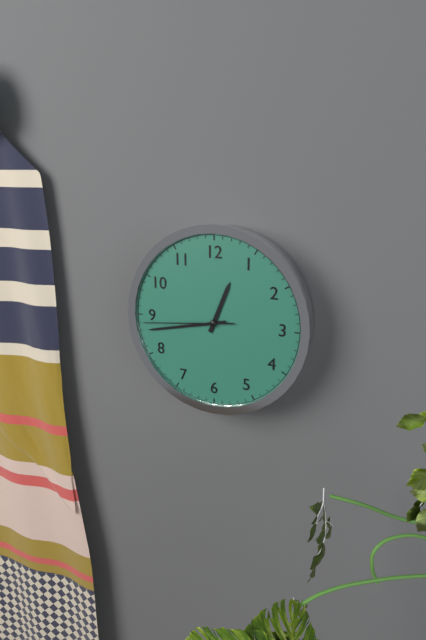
**12:43:44**
